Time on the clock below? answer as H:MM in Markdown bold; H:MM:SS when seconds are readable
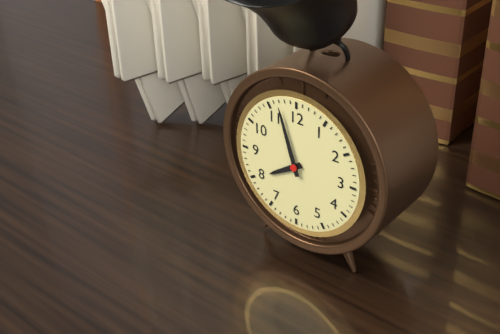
**7:57**
